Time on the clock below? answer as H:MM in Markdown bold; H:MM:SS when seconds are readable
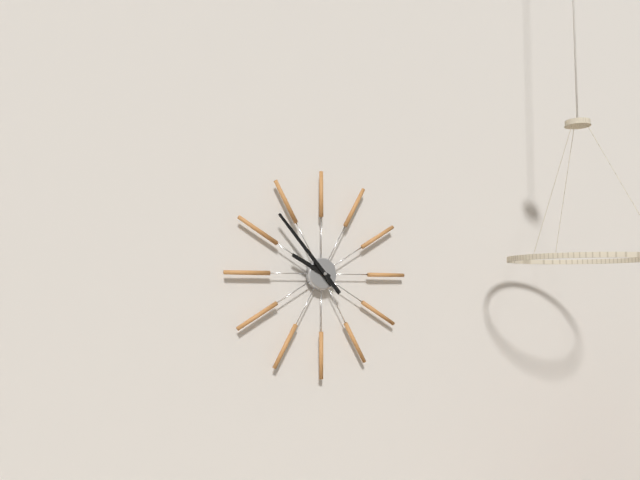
**9:53**
